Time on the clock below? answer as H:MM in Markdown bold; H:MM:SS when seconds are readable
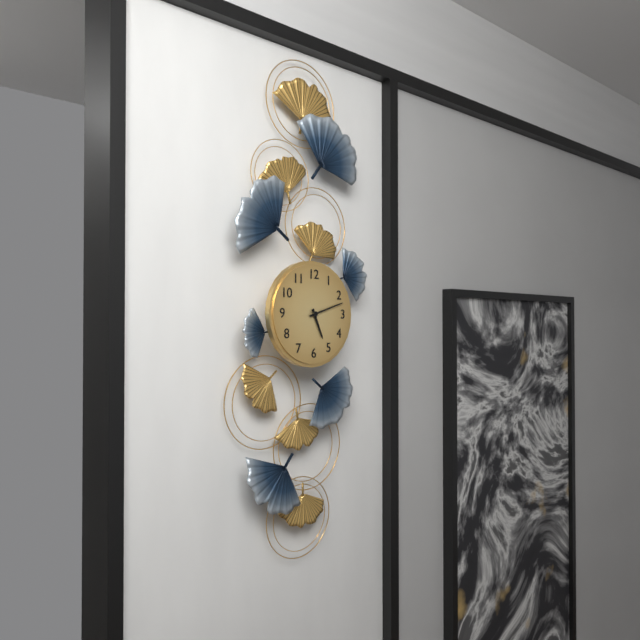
**5:12**
